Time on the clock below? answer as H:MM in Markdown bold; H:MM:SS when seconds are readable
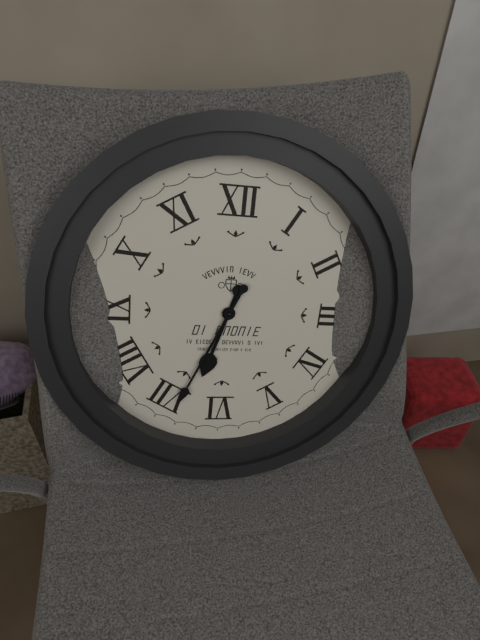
**6:34**
